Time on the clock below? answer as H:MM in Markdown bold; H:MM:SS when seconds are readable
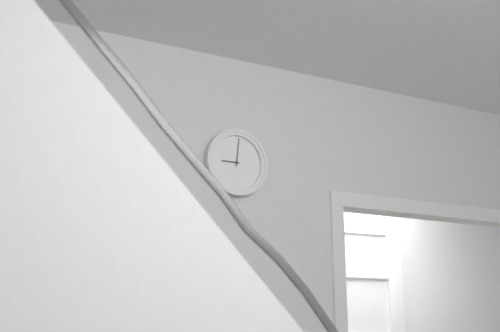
**9:01**
